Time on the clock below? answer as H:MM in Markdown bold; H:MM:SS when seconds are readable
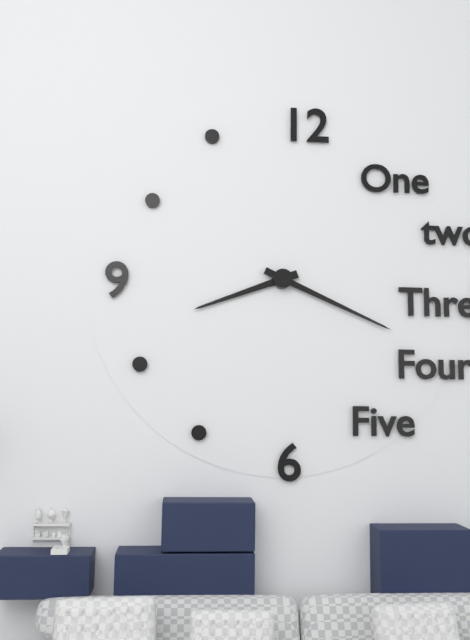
**8:19**
